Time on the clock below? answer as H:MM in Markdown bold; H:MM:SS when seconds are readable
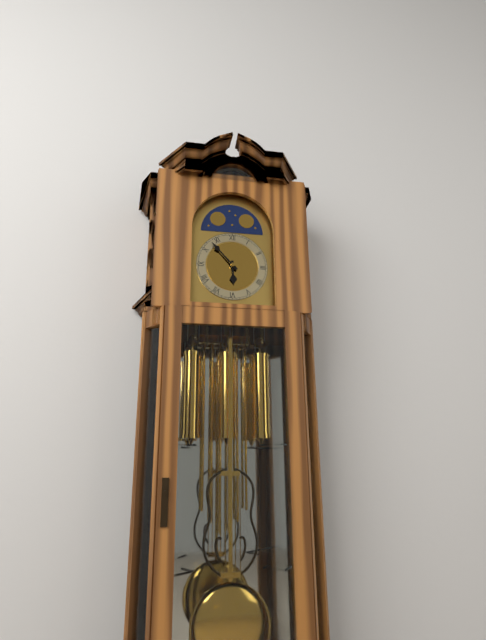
**5:53**
